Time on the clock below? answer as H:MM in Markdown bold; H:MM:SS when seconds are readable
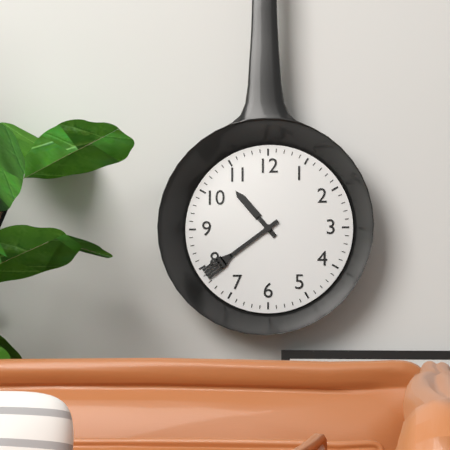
**10:39**
